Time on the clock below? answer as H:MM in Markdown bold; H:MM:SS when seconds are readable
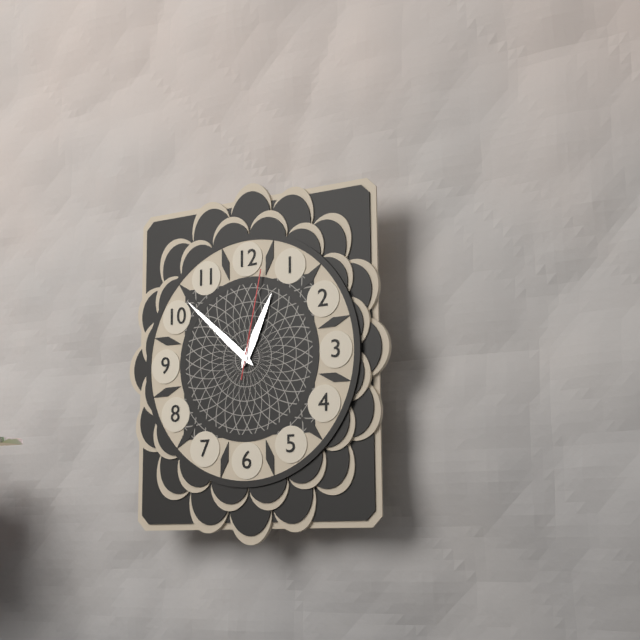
**12:52:02**
